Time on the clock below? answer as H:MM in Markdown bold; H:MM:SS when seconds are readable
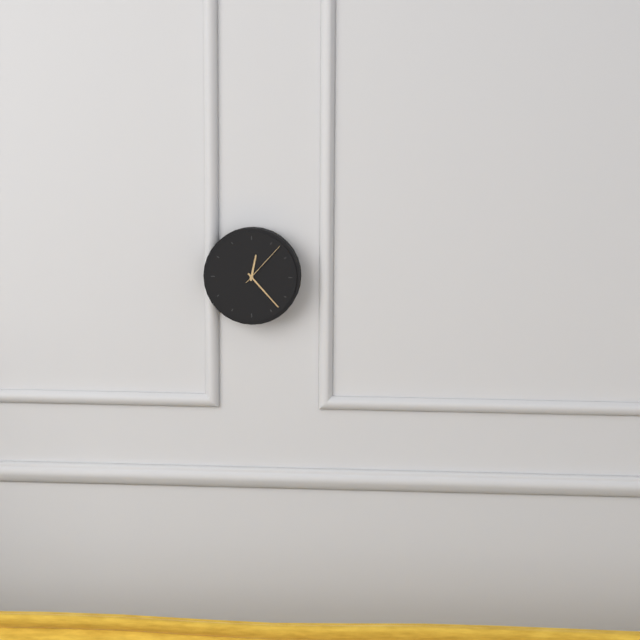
**12:23:07**
